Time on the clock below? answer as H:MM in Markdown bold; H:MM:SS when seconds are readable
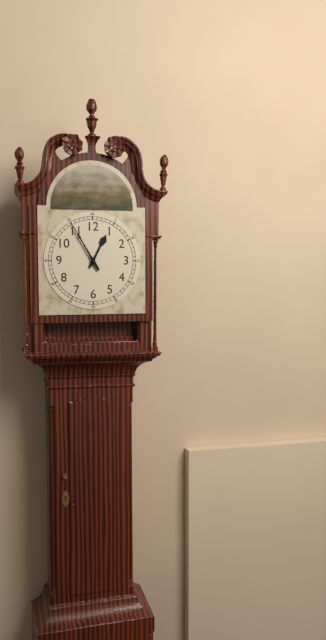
**12:55**
